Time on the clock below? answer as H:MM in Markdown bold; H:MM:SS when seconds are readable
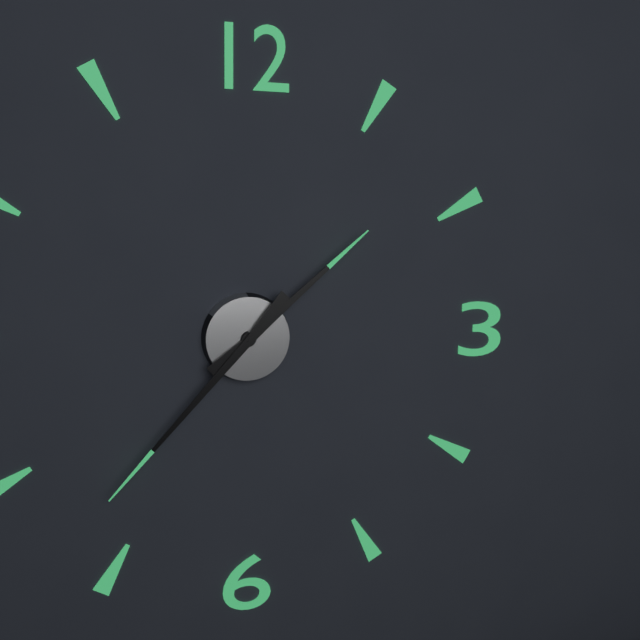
**1:37**
